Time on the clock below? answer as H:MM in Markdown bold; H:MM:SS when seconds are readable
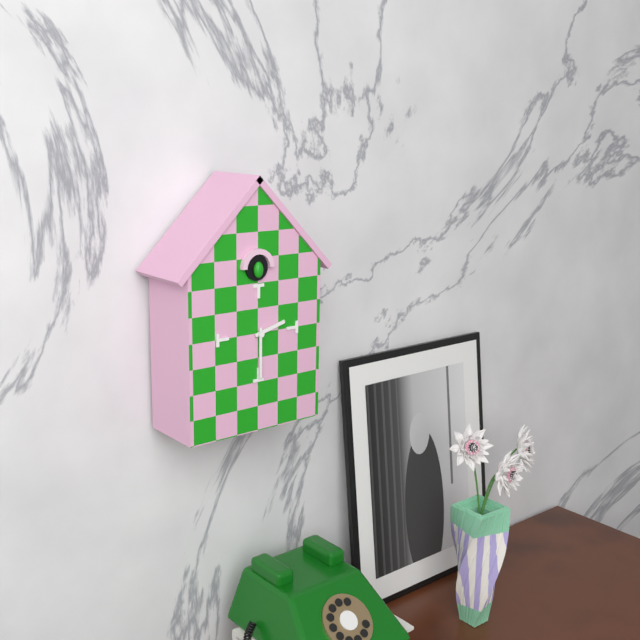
**2:30**
